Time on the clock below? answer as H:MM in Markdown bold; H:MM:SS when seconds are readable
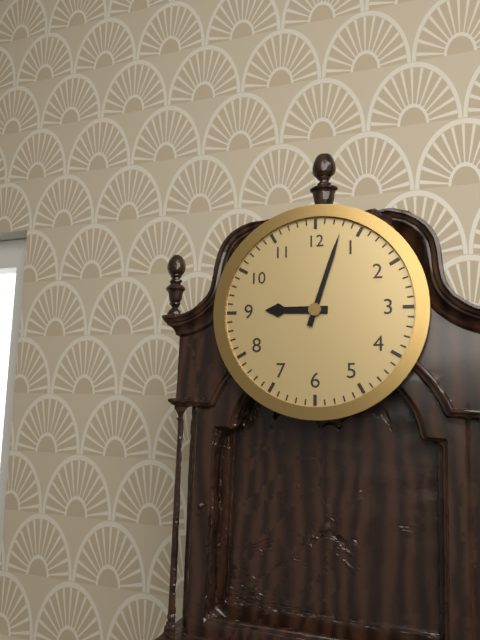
**9:03**
